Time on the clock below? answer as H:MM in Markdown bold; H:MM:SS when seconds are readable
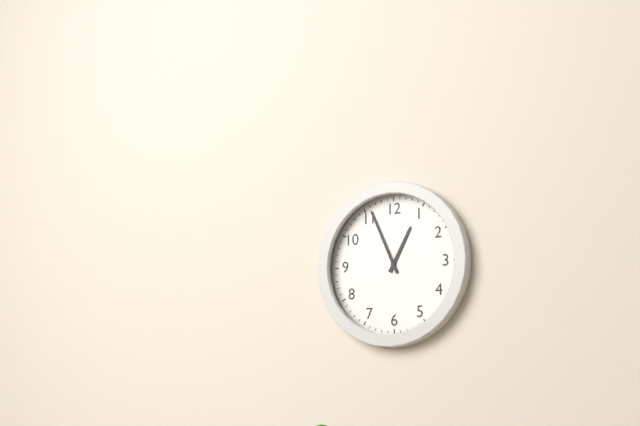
**12:56**
